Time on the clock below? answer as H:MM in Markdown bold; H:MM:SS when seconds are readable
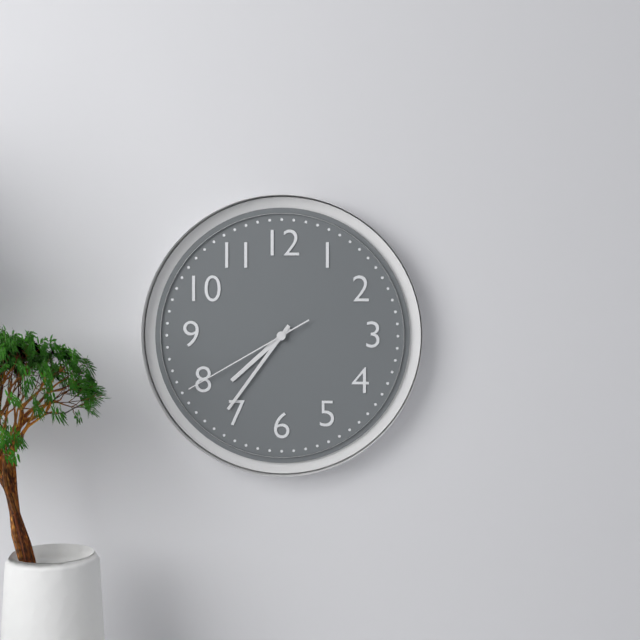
**7:36:40**
